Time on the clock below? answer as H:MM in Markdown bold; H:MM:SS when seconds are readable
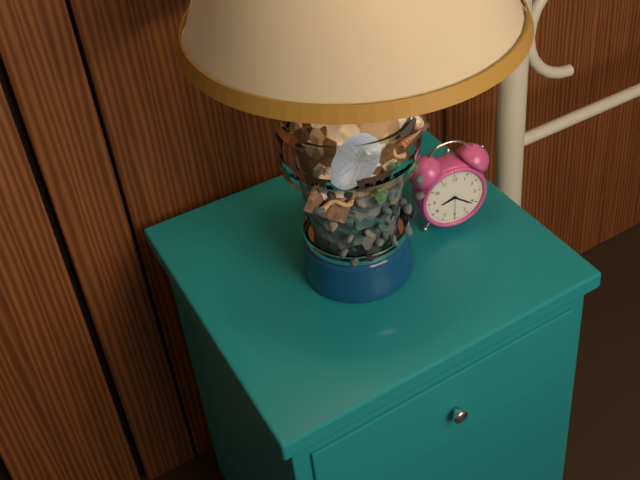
**8:21**
